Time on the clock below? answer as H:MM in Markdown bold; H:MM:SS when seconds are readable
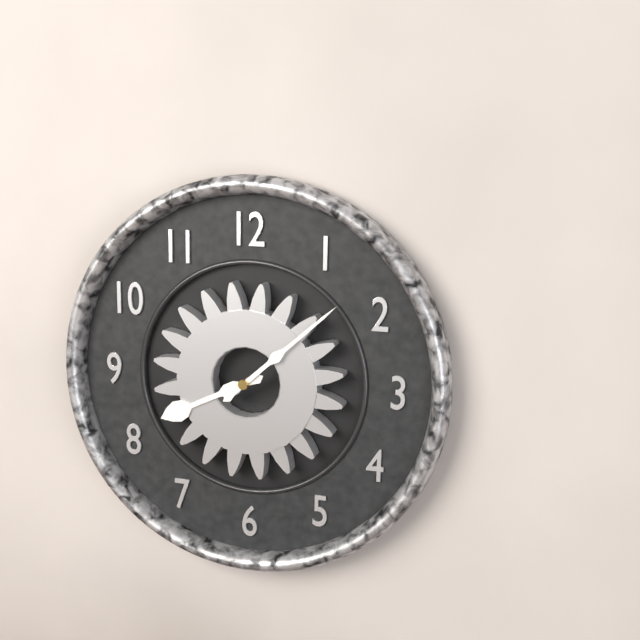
**8:08**
